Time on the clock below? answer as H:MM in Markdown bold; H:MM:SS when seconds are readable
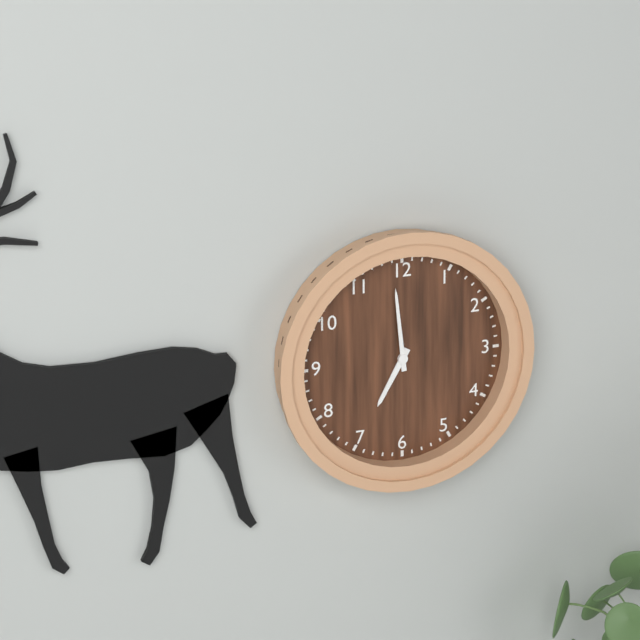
**6:59**
